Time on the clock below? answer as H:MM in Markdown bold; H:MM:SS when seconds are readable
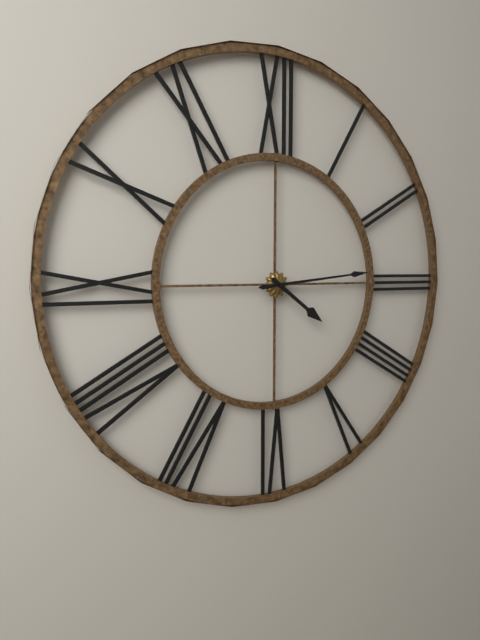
**4:14**
